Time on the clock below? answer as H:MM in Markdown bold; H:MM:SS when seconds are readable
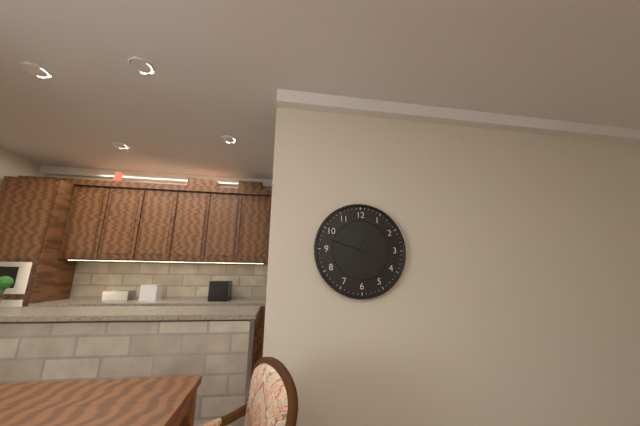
**12:48**
